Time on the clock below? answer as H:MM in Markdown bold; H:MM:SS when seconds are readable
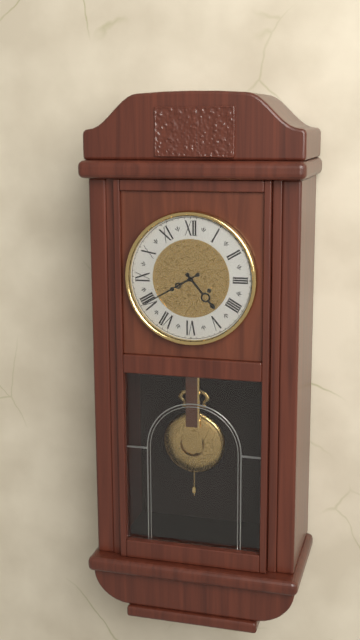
**4:40**
